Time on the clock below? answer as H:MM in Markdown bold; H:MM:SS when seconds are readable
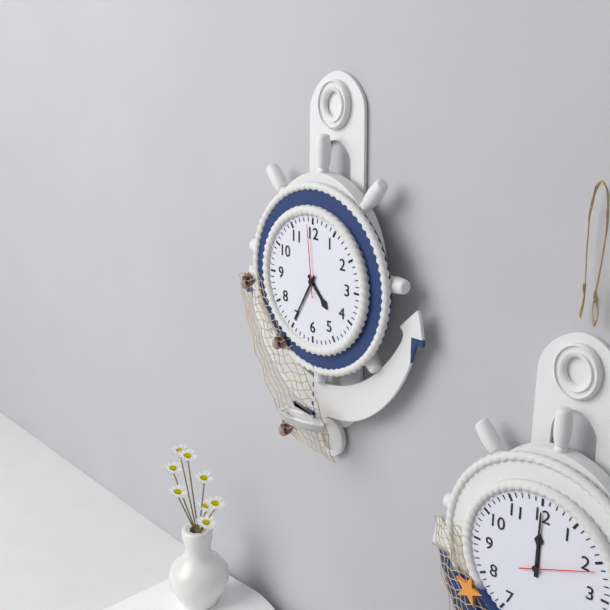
**4:35:59**
